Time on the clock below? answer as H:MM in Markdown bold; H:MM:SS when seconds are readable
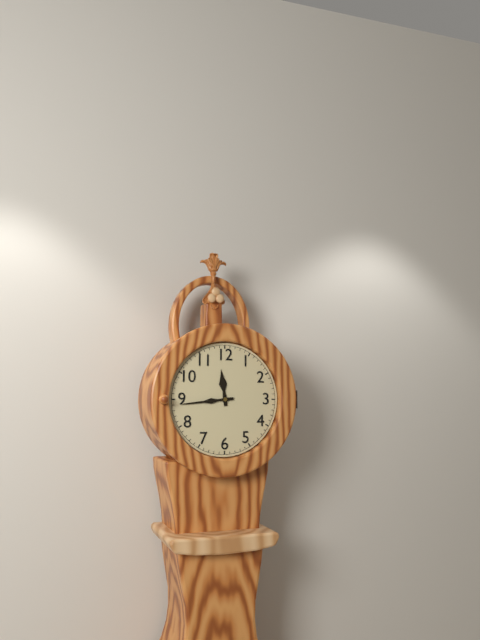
**11:44**
